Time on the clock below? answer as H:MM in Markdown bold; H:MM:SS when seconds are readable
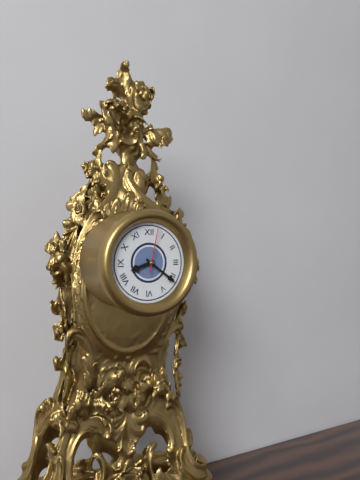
**8:21**
